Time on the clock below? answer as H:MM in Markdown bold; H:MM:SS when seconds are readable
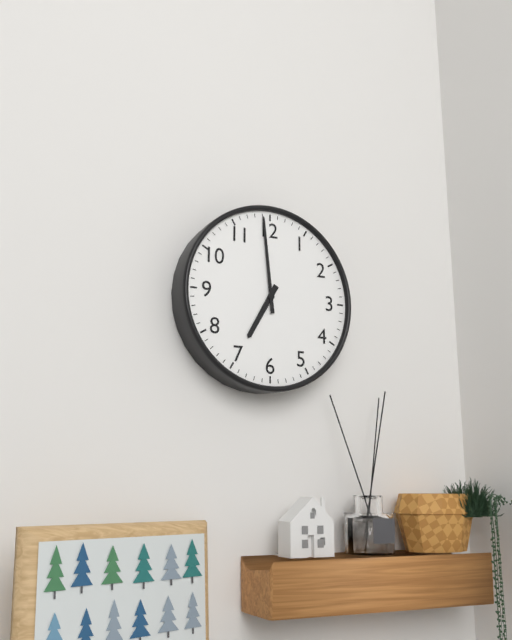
**6:59**
